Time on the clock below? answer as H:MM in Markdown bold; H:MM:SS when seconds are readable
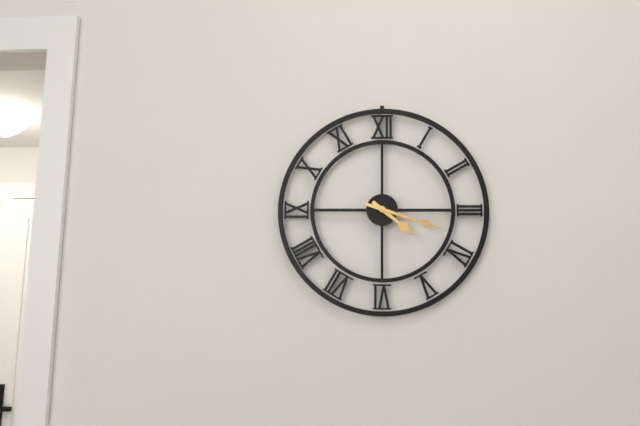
**4:18**
